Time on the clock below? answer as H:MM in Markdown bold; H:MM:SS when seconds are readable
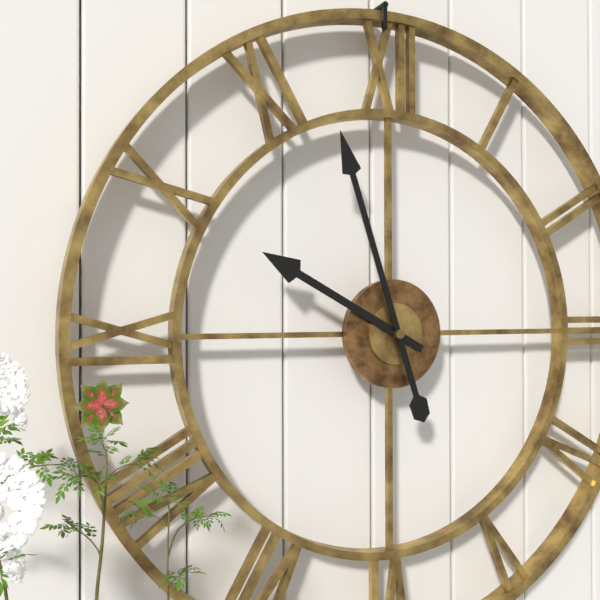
**9:57**
